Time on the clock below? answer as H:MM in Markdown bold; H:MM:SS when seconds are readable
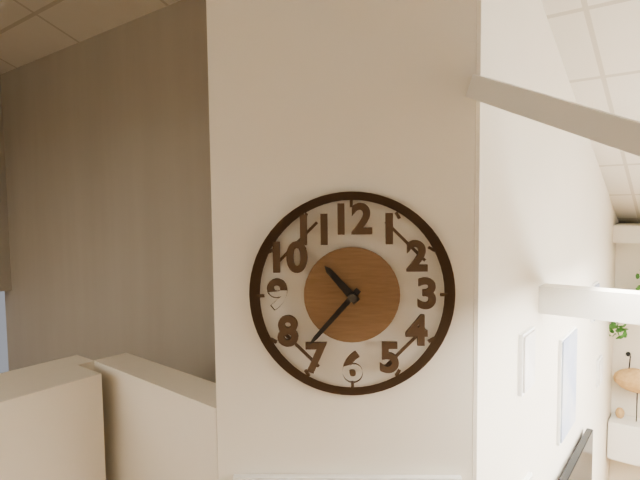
**10:37**
